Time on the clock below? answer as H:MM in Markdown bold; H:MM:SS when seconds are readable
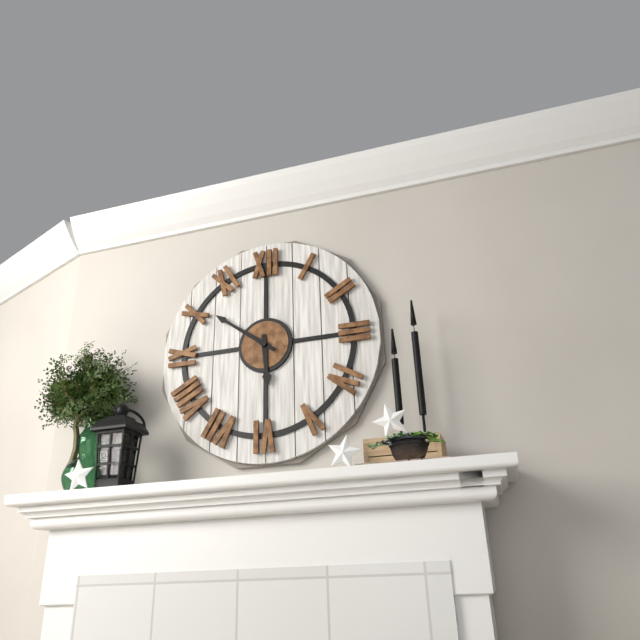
**5:51**
